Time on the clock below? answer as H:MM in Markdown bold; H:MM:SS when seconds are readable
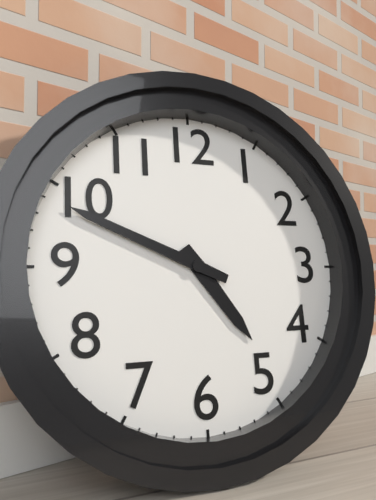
**4:49**
